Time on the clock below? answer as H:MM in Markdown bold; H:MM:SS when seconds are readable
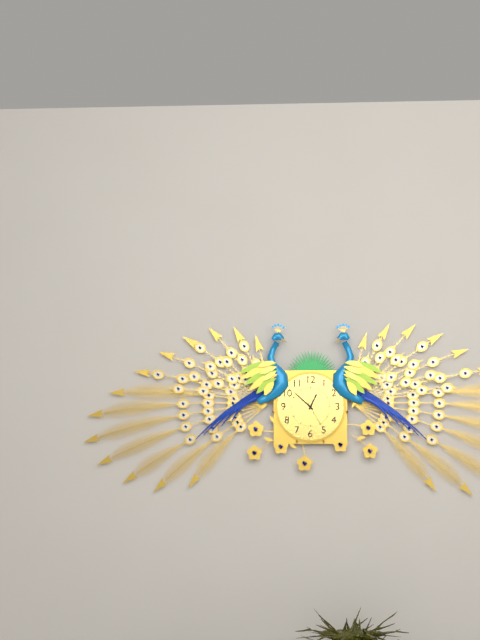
**12:52**
